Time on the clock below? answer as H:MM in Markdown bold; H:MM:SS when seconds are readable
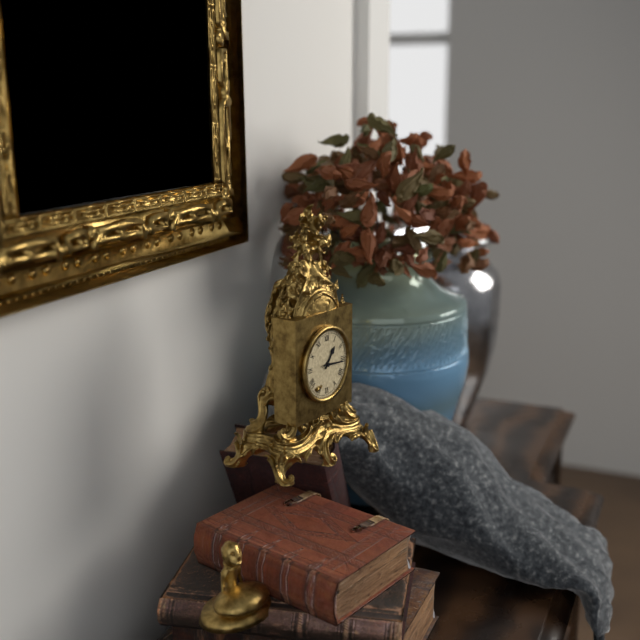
**1:16**
